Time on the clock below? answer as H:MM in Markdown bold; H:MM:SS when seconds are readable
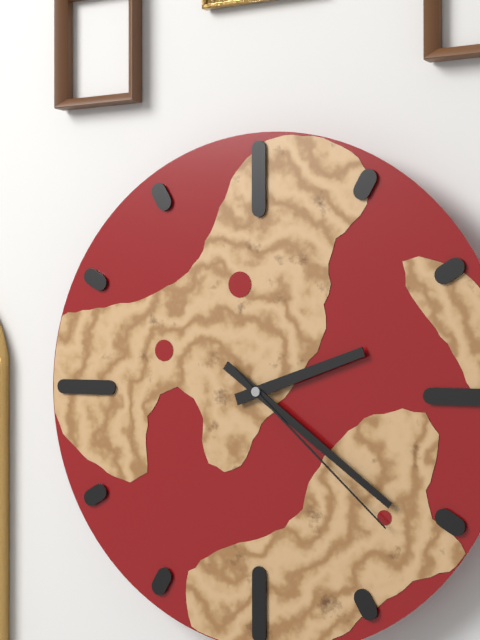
**2:21:22**
